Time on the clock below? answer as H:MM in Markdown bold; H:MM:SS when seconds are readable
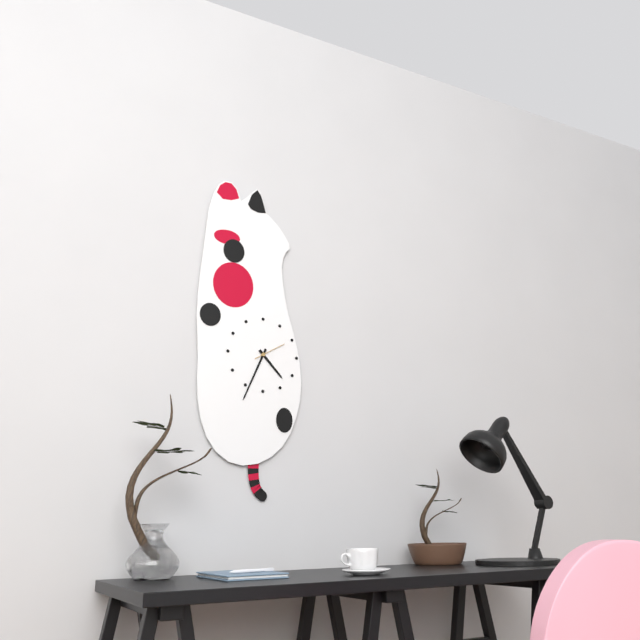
**4:34**
